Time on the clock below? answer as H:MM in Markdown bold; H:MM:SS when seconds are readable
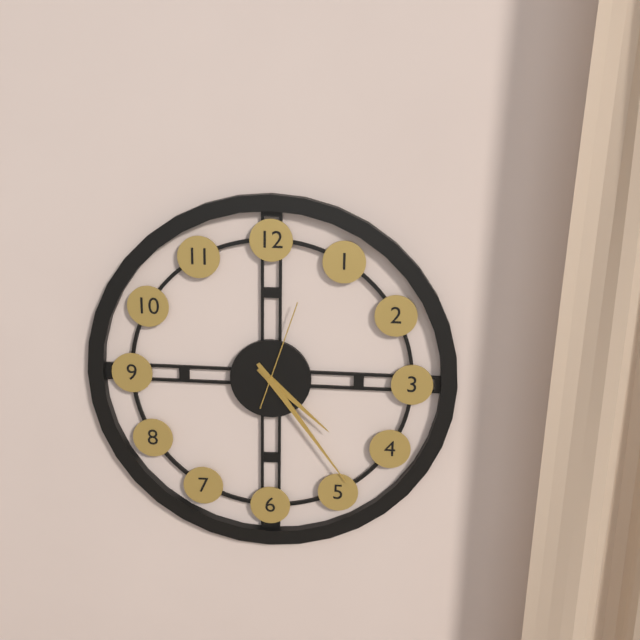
**4:24:03**
